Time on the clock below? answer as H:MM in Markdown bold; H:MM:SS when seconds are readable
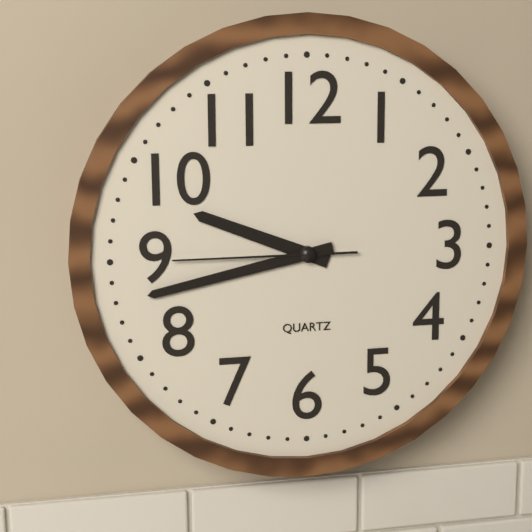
**9:43:45**
